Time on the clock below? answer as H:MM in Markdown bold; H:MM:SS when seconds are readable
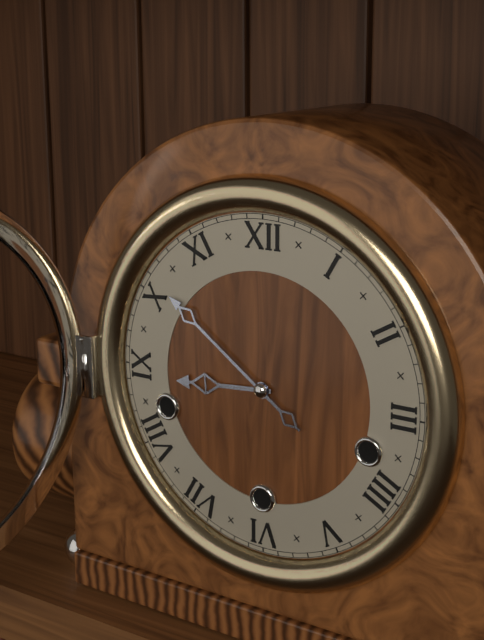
**8:51**
